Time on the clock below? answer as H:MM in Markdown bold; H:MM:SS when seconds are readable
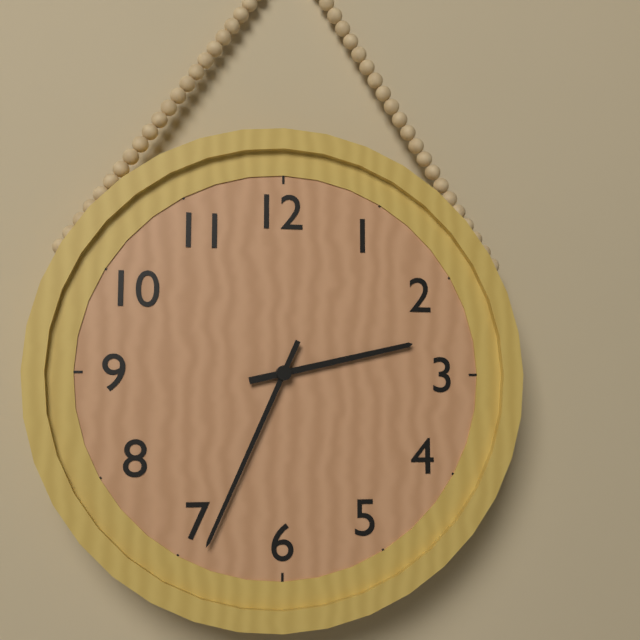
**2:34**
